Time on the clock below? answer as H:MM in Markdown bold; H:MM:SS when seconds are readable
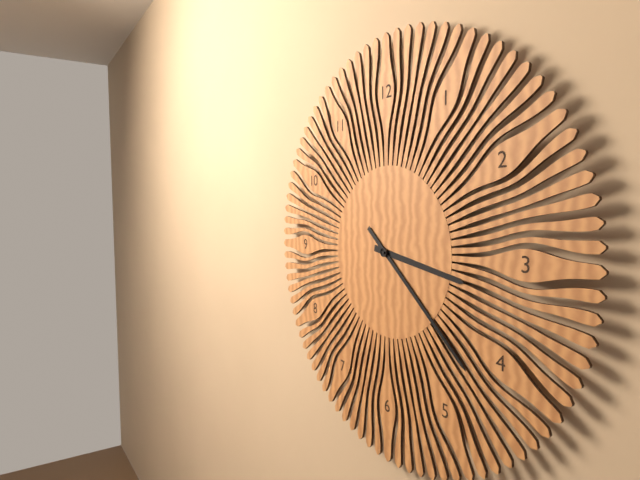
**3:22**
